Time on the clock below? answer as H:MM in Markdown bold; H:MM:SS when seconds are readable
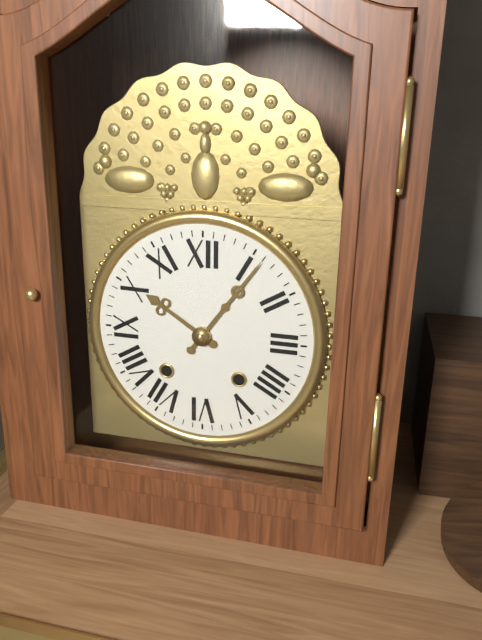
**10:06**
